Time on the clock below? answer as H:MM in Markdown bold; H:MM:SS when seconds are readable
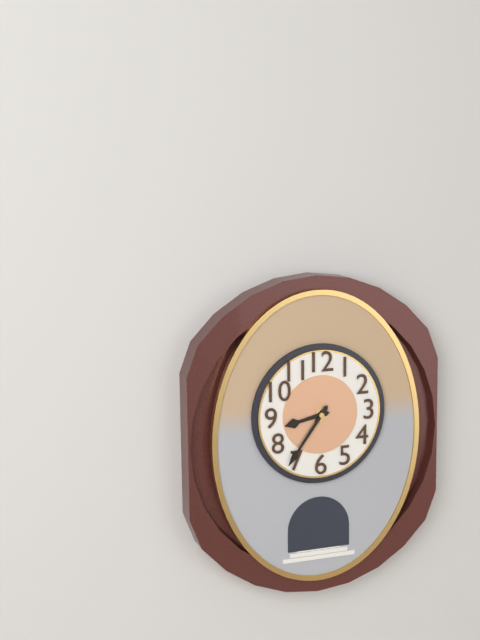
**8:36**
